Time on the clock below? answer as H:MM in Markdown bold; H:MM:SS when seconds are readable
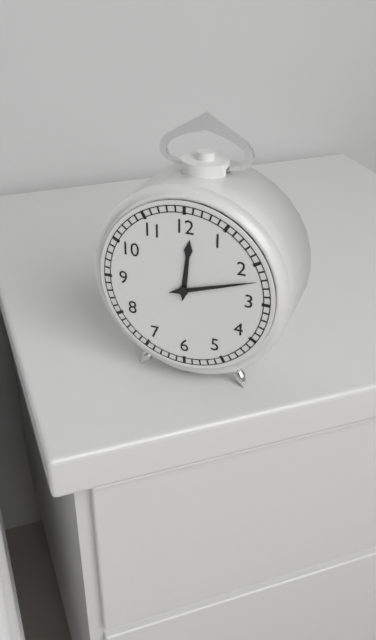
**12:12**
